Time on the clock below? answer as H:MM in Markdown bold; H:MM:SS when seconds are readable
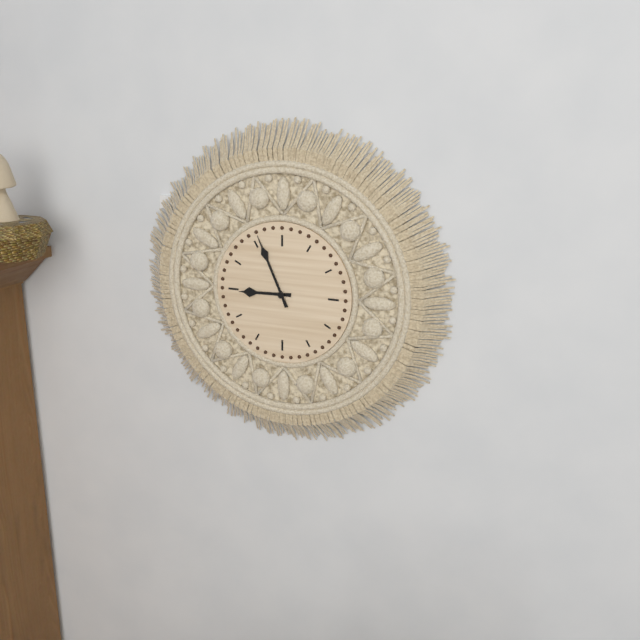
**8:56**
